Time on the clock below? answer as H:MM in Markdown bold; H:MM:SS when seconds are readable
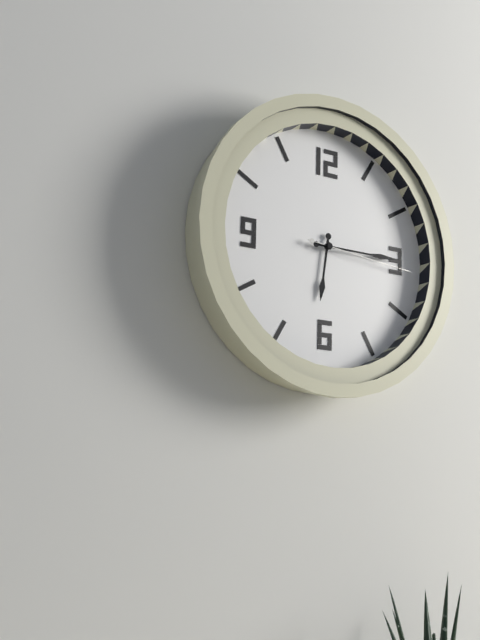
**6:15:16**
